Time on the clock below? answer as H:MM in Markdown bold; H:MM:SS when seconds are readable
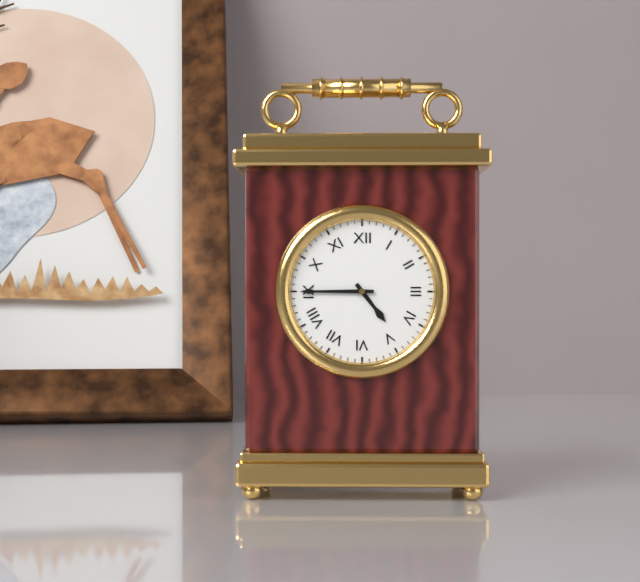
**4:45**
